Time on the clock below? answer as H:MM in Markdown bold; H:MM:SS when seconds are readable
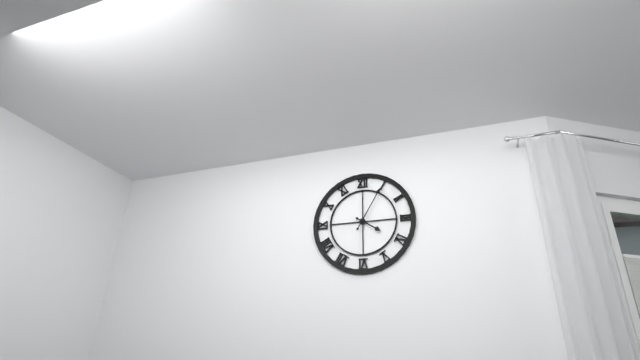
**4:05**
